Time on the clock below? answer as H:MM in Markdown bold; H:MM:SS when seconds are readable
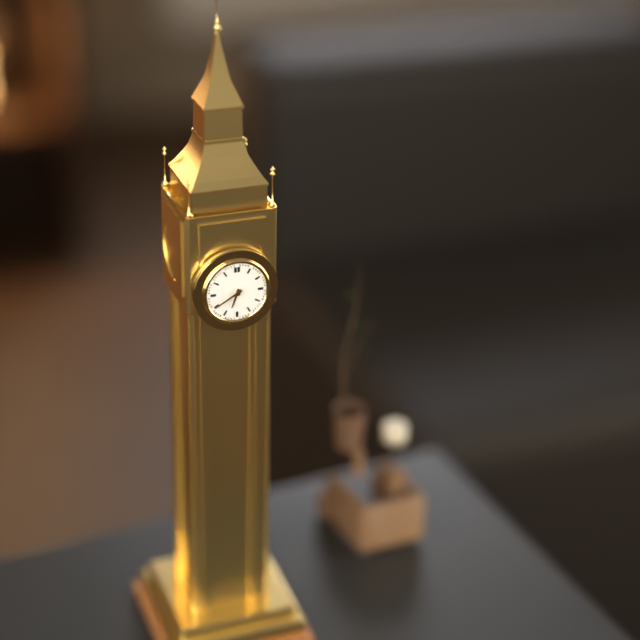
**6:40**
